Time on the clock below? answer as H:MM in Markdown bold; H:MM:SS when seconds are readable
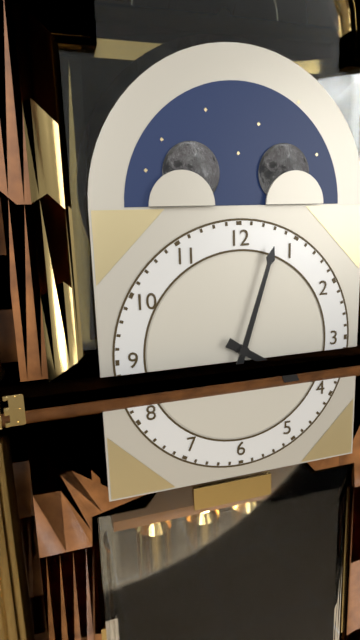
**4:03**
